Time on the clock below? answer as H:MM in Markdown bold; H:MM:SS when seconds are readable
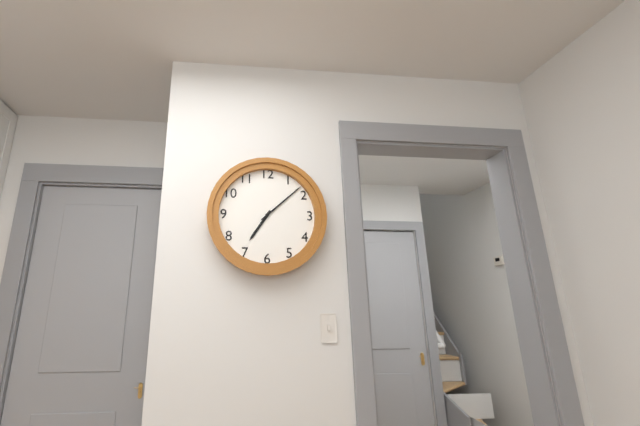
**7:08**
